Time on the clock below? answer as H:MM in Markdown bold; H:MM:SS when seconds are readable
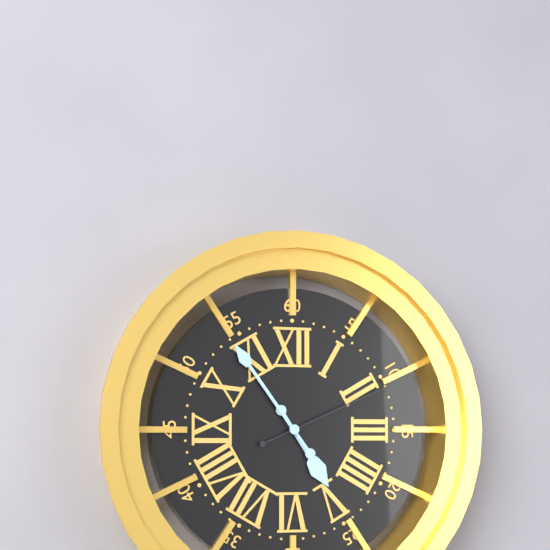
**4:54:11**
